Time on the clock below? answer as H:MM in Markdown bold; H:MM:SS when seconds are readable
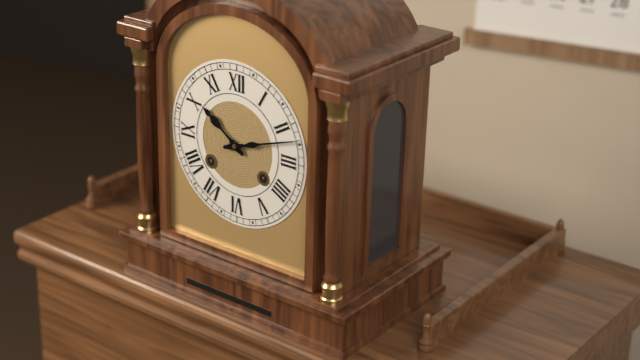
**10:12**
